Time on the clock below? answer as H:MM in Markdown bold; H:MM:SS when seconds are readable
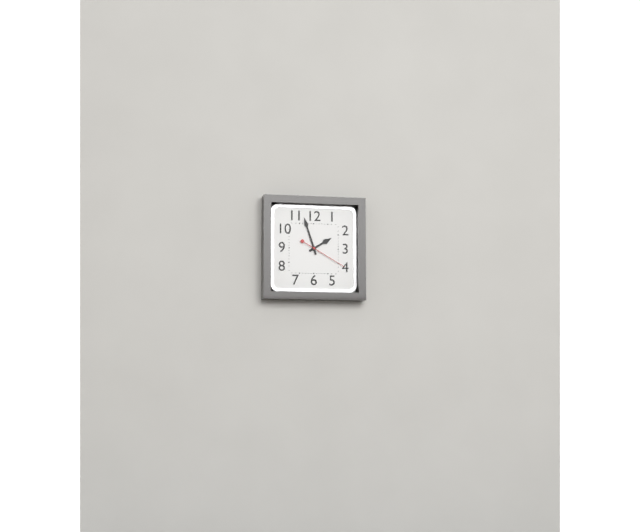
**1:57**
